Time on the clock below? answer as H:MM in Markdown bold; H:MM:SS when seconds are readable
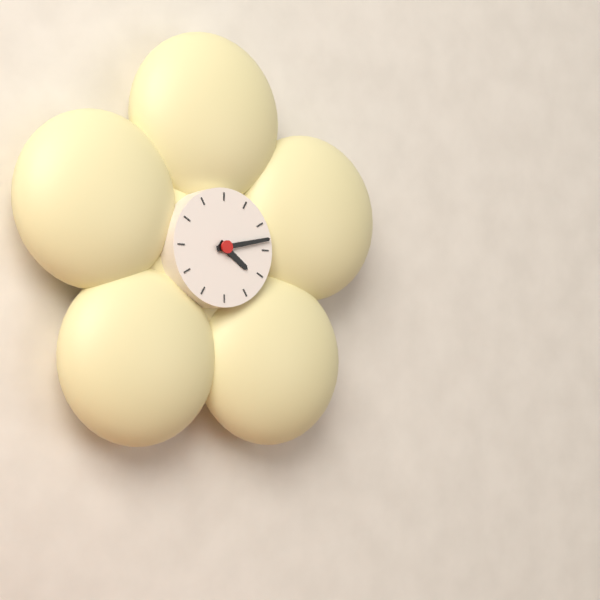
**4:13**
